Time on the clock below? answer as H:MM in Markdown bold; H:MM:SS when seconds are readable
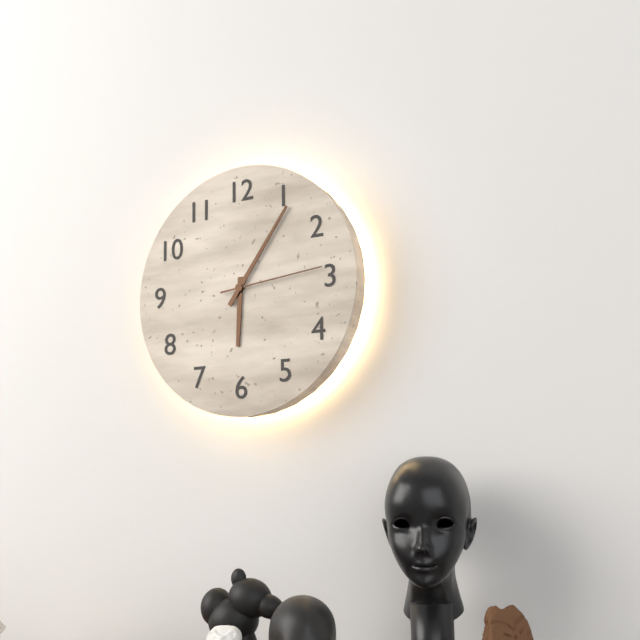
**6:06:14**
